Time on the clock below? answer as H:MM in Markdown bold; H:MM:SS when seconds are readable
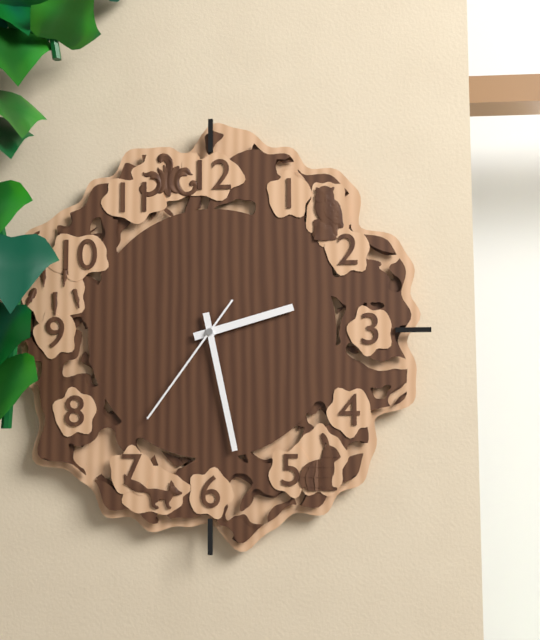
**2:28:36**
